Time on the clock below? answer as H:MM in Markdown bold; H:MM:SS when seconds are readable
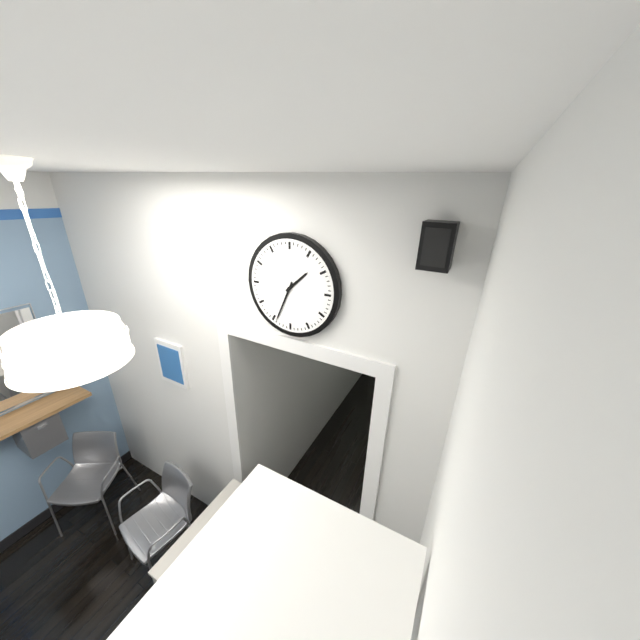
**1:34**
